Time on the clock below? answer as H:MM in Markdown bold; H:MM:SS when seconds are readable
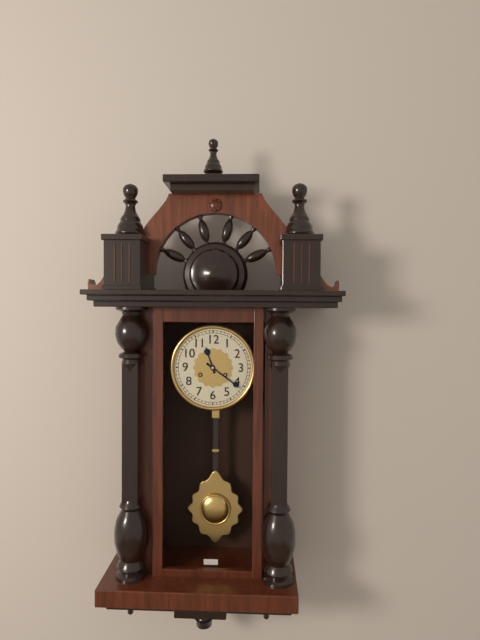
**11:21**
